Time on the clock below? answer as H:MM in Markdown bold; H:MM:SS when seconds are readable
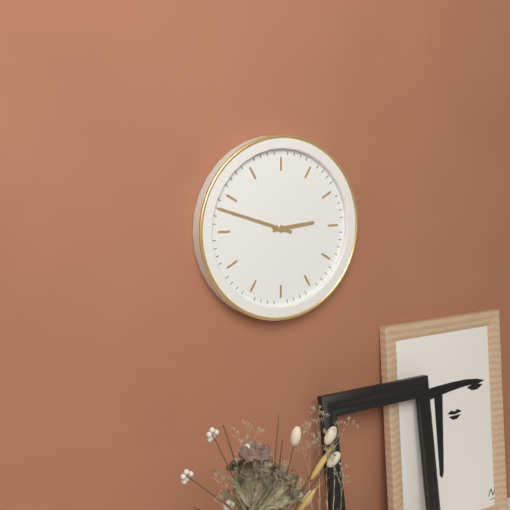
**2:48**
